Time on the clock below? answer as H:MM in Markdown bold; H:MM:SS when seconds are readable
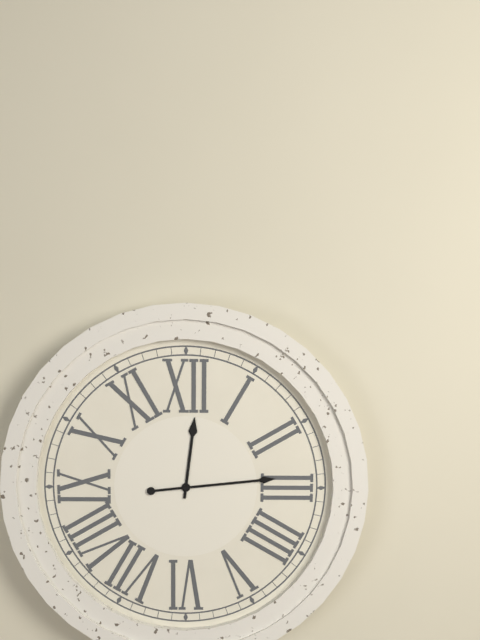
**12:14**
